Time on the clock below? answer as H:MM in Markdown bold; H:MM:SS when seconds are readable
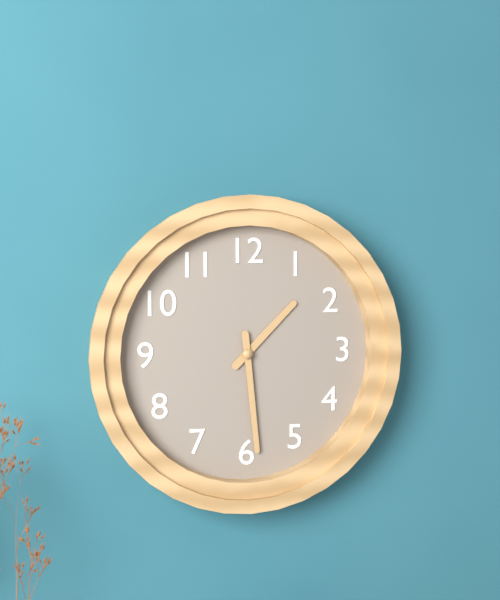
**1:29**
